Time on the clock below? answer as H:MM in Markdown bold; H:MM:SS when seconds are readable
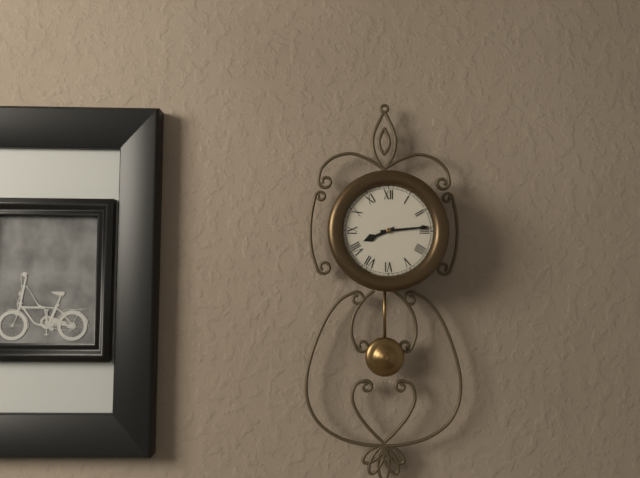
**8:14**
